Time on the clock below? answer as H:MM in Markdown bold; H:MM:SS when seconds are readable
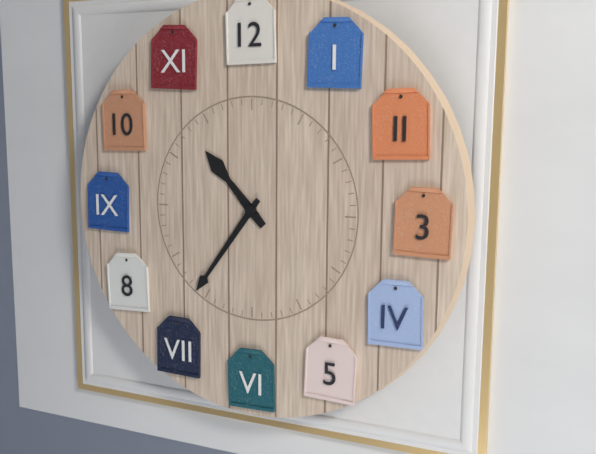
**10:36**
